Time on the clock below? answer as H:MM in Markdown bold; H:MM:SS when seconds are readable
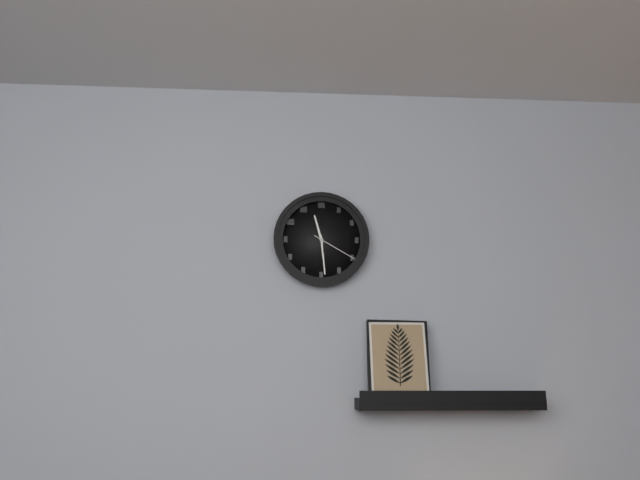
**11:29:20**
